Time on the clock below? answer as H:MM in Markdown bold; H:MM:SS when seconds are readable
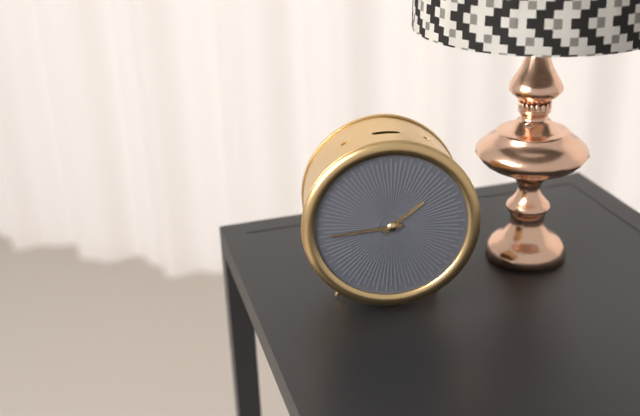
**1:44**
